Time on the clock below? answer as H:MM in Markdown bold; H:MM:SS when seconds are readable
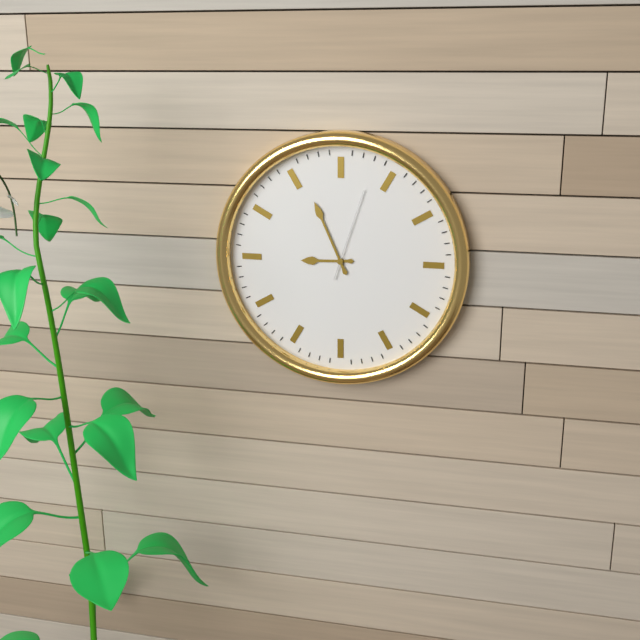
**8:56:03**
